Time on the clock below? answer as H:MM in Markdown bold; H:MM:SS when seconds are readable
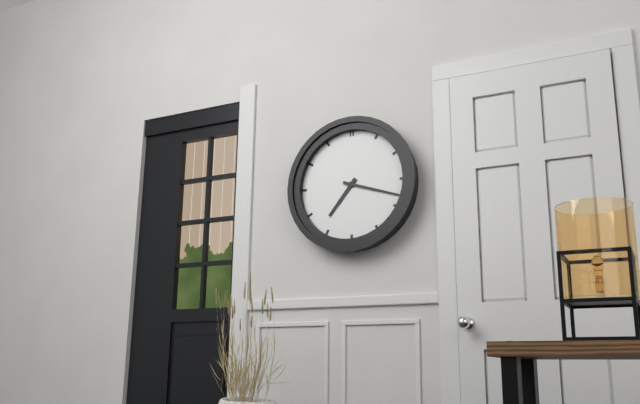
**7:18**
